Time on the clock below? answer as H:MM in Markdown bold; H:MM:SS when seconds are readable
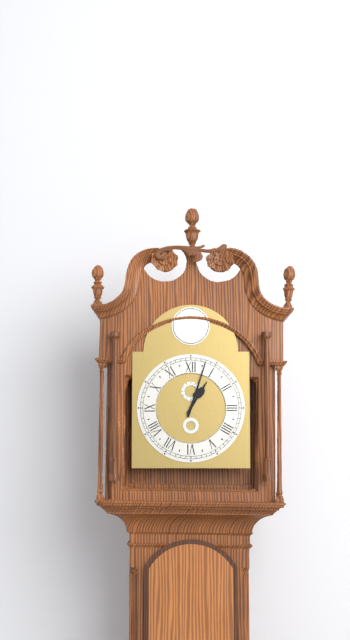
**1:03**
